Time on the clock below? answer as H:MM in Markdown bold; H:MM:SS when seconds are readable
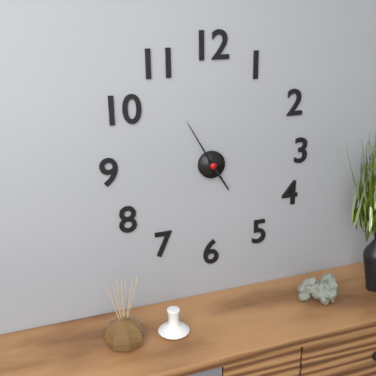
**4:55**
